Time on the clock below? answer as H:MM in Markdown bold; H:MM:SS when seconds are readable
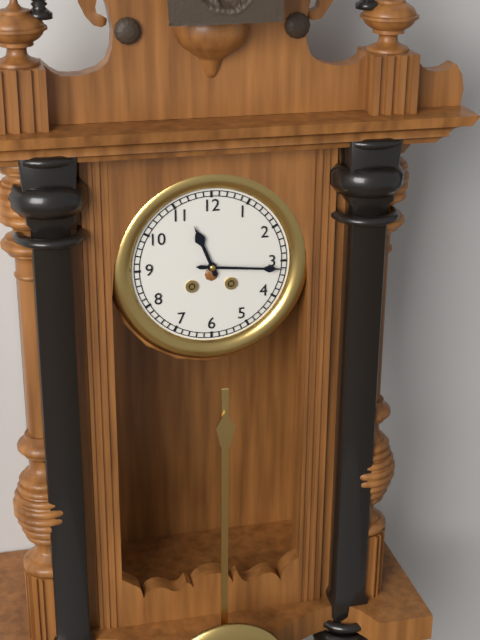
**11:16**
